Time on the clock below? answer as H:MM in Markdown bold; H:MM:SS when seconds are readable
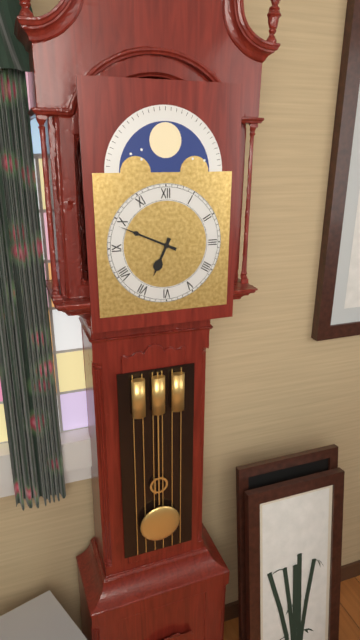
**6:49**
